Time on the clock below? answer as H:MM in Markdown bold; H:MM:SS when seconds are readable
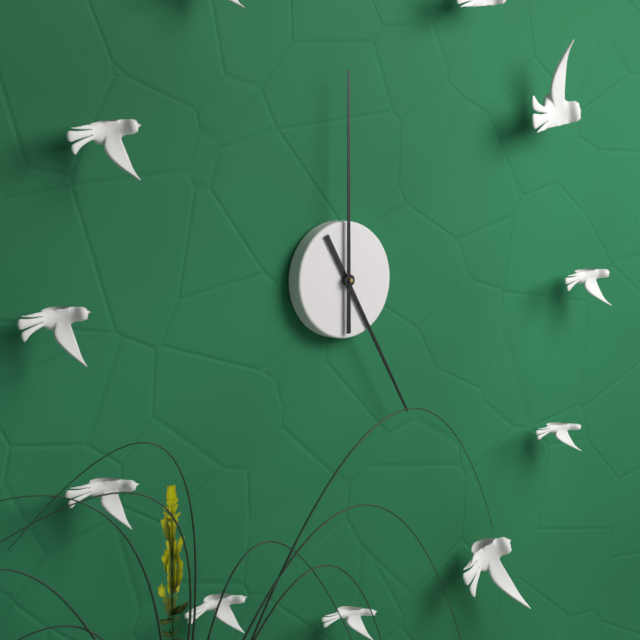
**5:00**
